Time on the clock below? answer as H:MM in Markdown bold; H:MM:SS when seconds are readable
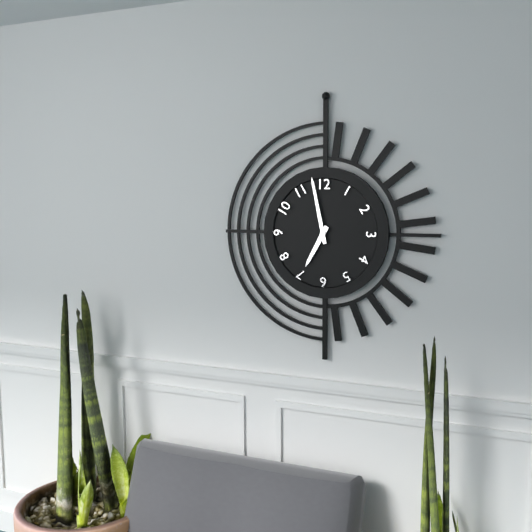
**6:58**
